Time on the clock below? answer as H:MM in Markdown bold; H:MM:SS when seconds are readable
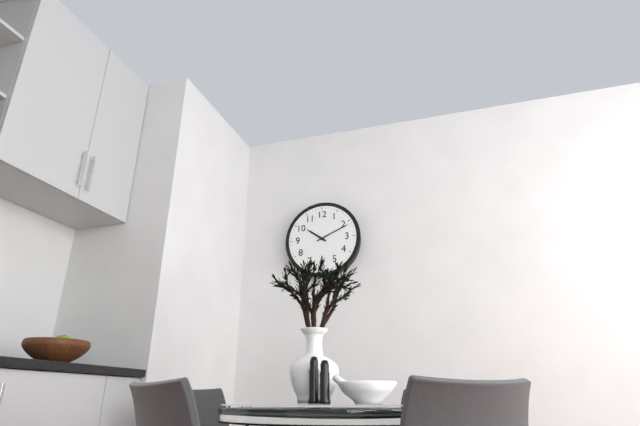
**10:11**
